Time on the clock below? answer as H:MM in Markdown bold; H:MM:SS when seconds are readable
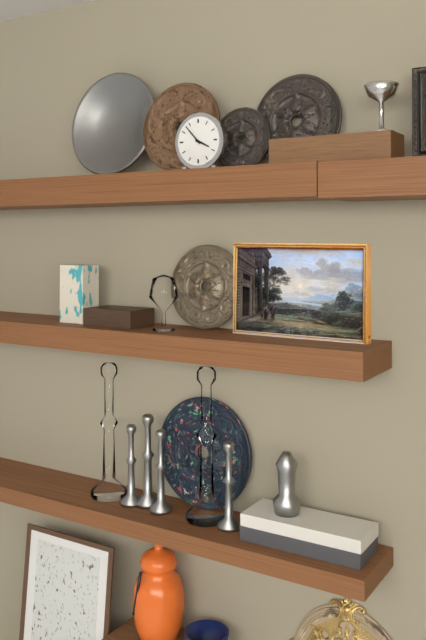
**3:53**
